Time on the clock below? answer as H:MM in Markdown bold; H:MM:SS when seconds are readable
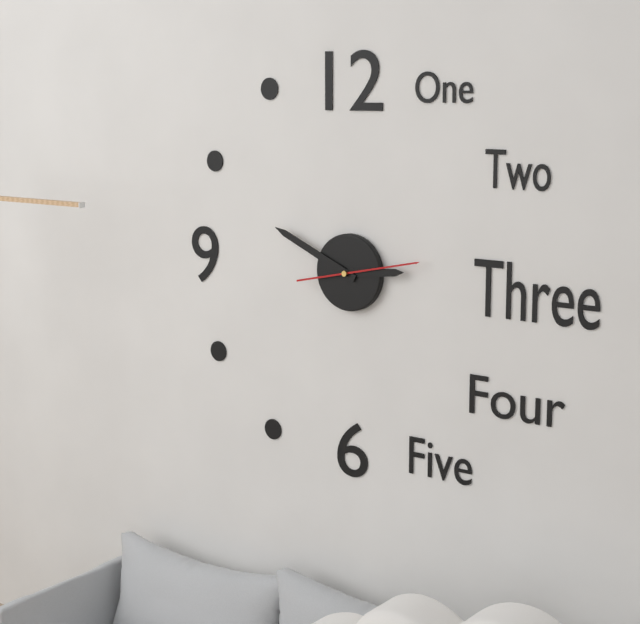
**2:49:13**
